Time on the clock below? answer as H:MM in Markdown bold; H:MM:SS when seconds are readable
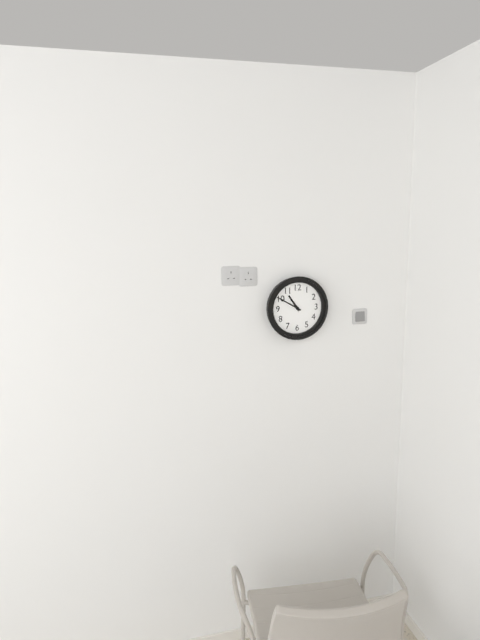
**10:50**
